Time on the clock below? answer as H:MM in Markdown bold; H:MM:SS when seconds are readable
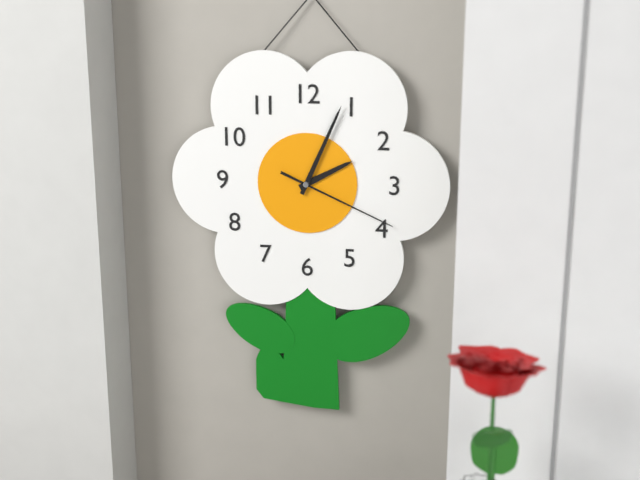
**2:04:19**
